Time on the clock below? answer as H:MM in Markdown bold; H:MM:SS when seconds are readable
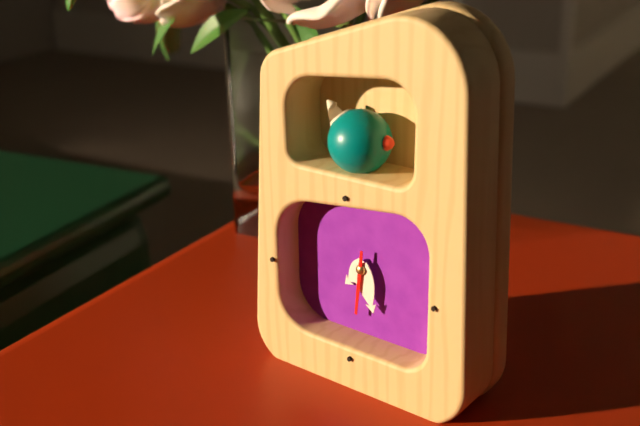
**7:27:31**
